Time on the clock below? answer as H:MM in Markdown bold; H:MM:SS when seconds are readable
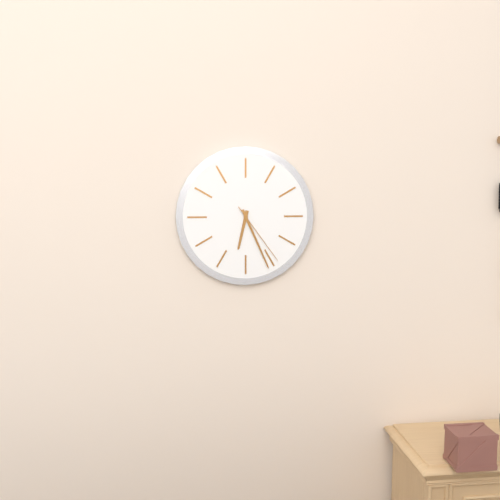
**6:26:24**
